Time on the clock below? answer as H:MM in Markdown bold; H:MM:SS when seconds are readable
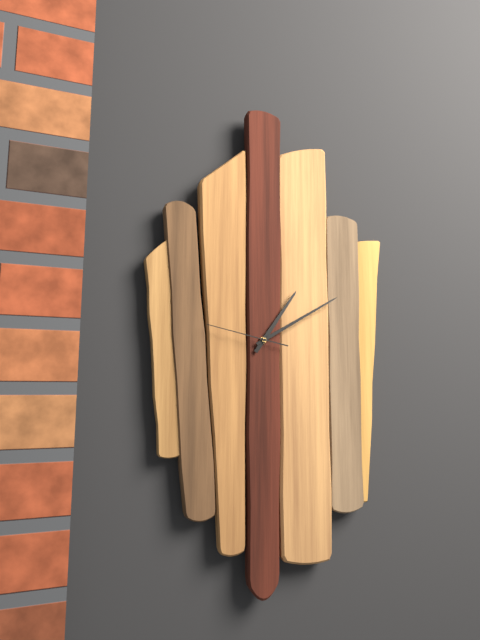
**1:10:47**
